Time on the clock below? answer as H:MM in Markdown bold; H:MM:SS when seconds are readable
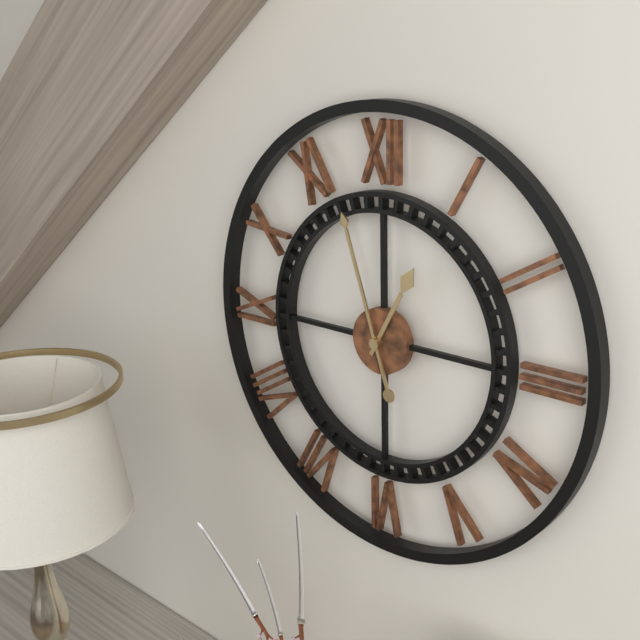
**12:57**
